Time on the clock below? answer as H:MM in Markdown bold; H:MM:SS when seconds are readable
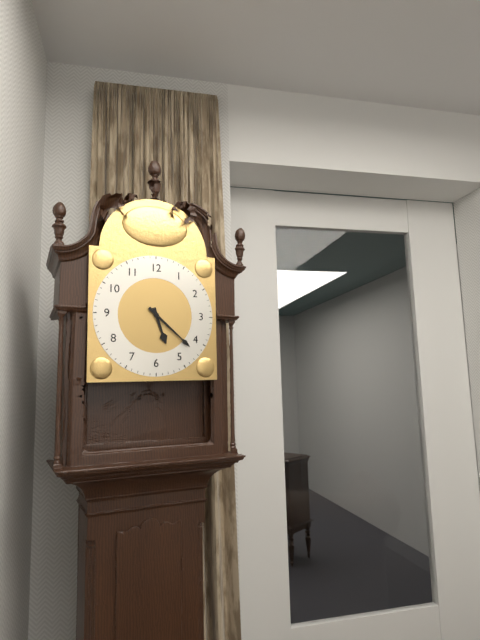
**5:22**
